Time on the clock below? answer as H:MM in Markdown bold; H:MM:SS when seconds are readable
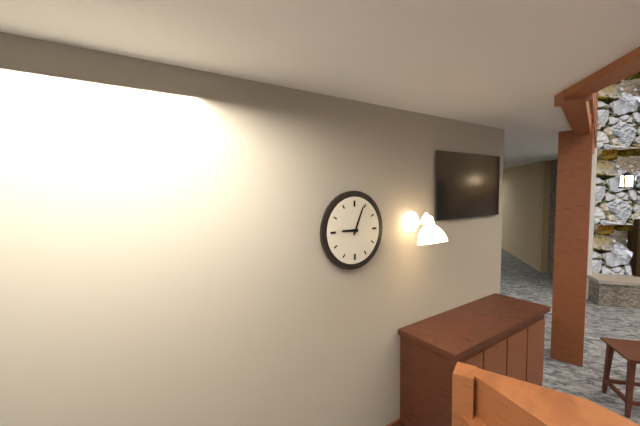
**9:04**
